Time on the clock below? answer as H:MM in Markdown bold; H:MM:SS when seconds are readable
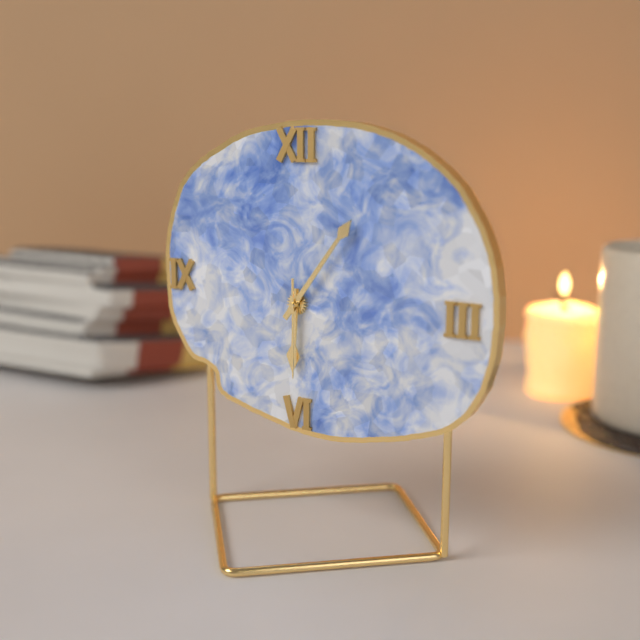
**6:06:30**
